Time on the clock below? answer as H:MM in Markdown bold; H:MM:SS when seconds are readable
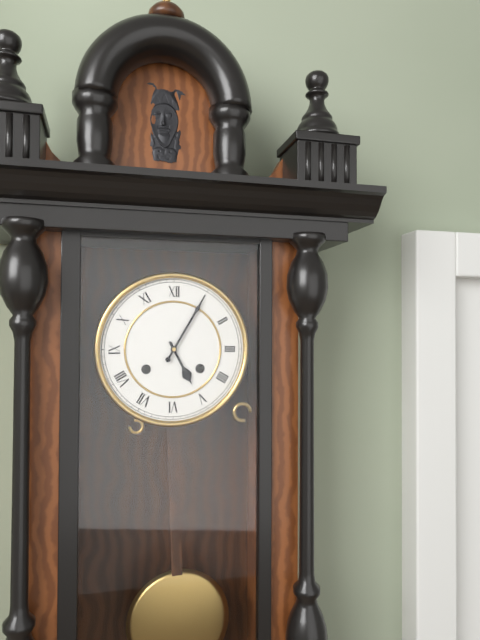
**5:05**
